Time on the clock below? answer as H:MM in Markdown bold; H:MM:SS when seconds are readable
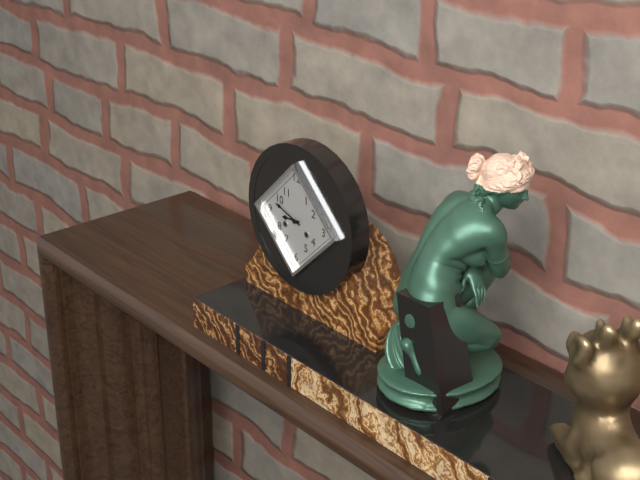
**8:48**
